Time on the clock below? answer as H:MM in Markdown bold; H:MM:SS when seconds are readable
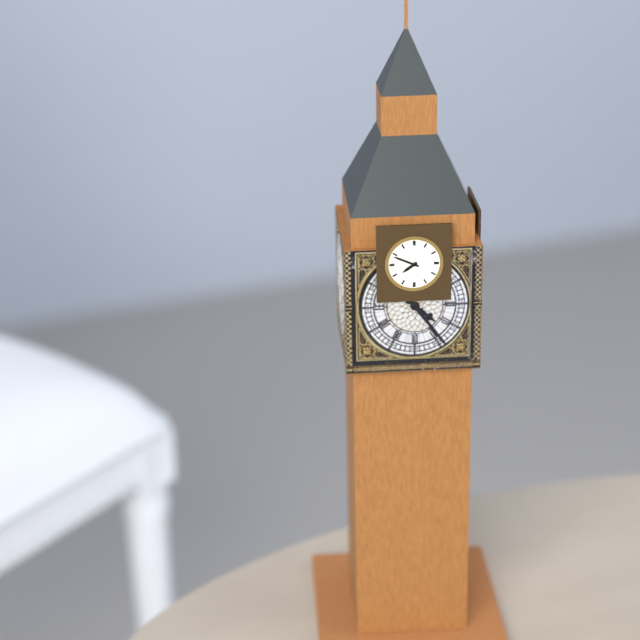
**7:49**
